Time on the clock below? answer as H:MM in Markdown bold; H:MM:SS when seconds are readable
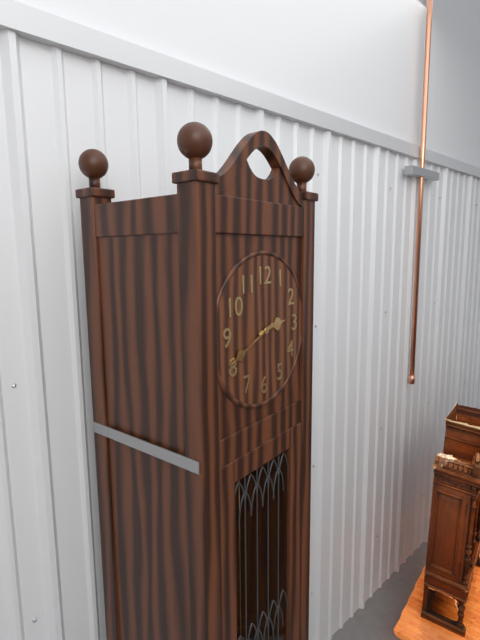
**2:41**
